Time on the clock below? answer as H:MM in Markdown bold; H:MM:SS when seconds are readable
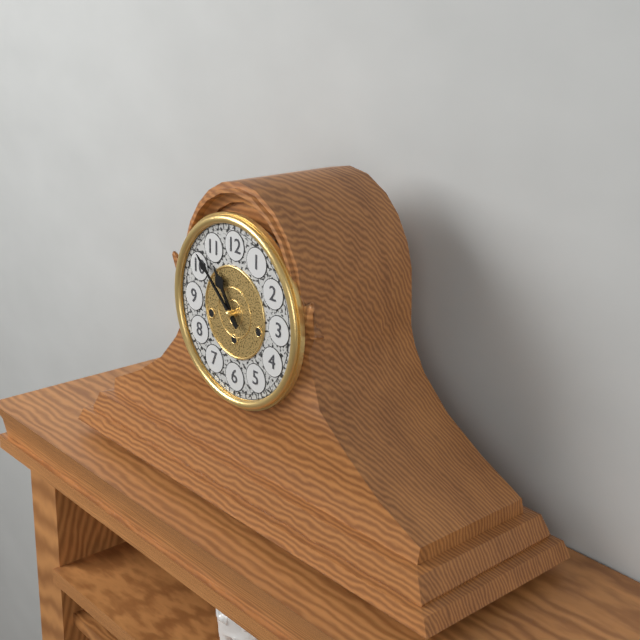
**10:52**
